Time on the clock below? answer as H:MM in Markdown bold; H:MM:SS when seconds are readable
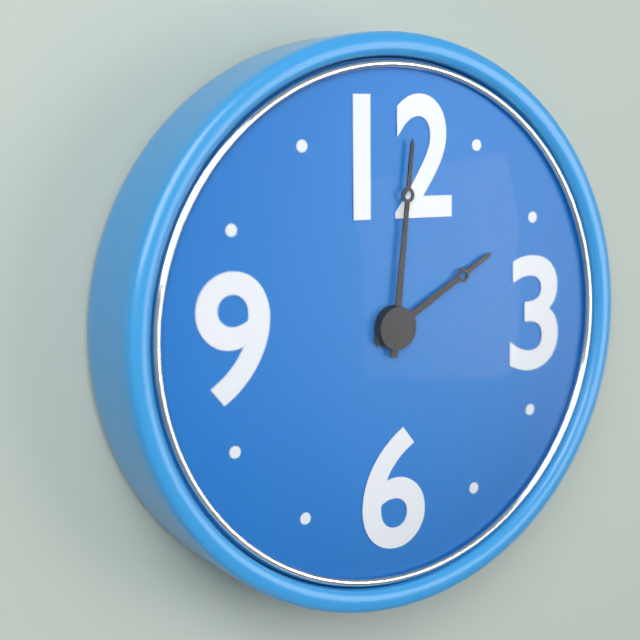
**2:01**
